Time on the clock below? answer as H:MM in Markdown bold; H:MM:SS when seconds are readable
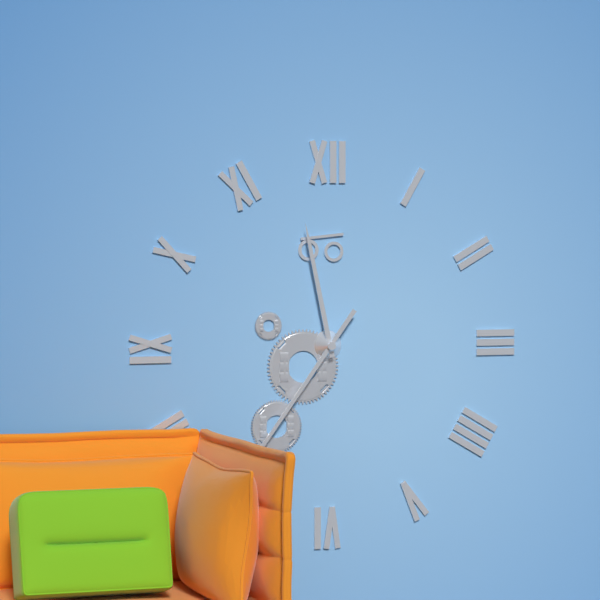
**11:36**
